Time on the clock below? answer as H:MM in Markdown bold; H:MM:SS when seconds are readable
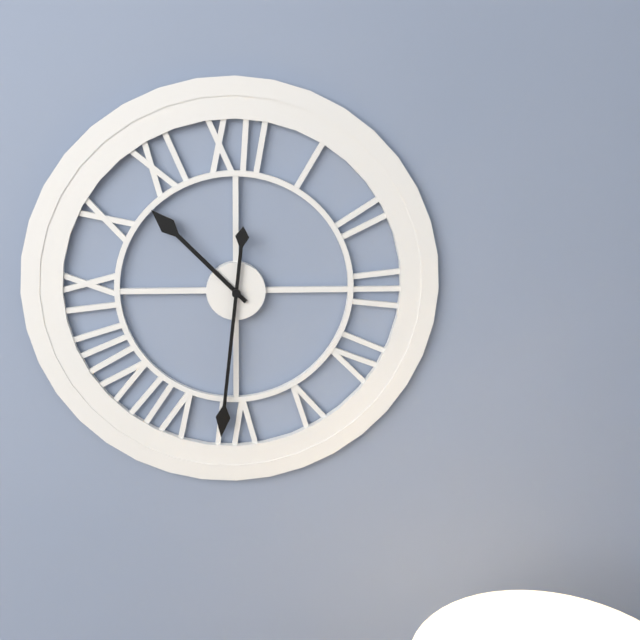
**10:31**
